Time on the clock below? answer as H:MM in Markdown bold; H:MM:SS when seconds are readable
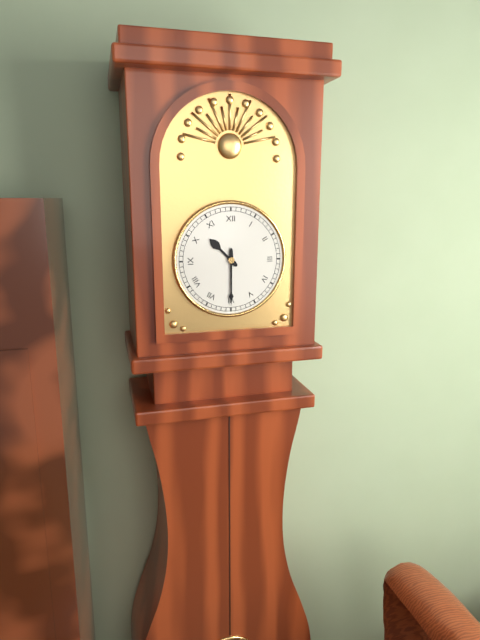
**10:30**
